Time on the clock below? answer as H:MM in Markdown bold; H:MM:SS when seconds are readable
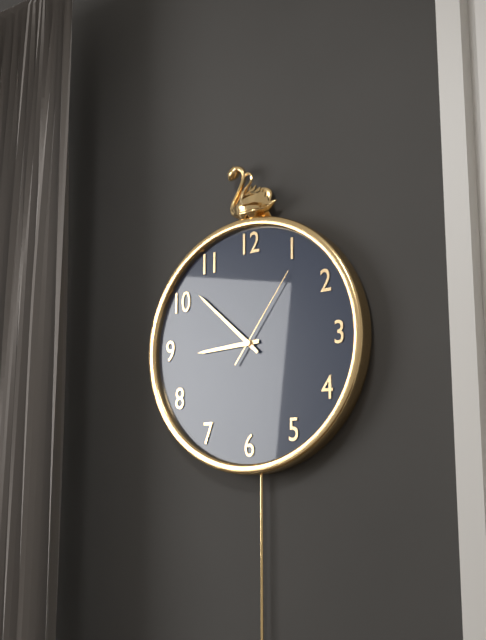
**8:52:06**
